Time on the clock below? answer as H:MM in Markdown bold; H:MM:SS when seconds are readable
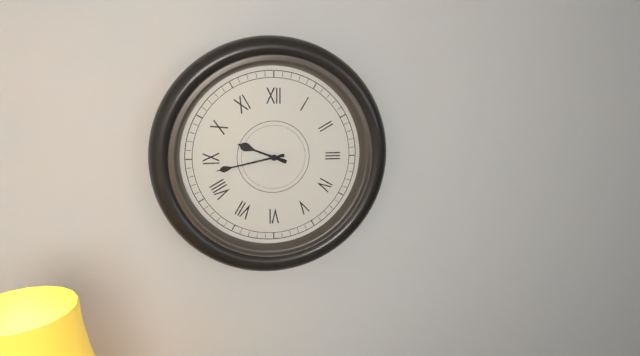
**9:43**
